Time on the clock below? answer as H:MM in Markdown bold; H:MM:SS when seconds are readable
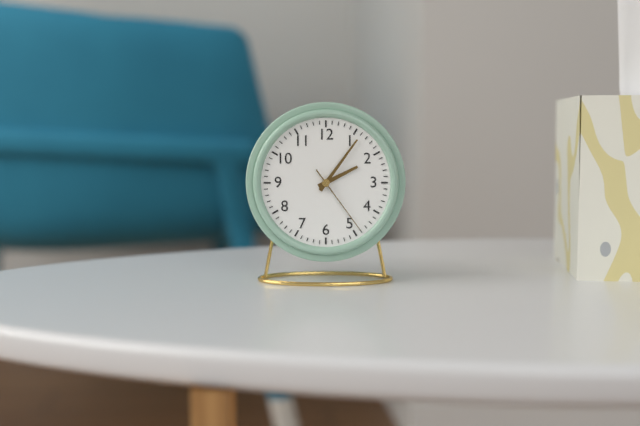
**2:06:24**
